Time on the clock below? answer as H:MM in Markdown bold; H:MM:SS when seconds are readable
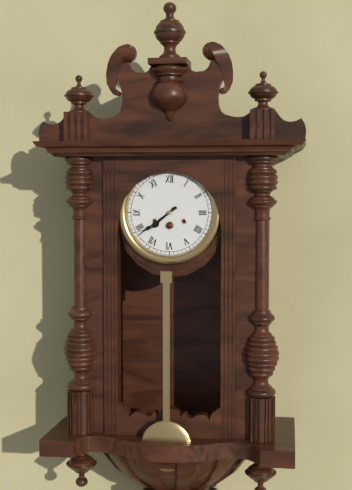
**7:39**
